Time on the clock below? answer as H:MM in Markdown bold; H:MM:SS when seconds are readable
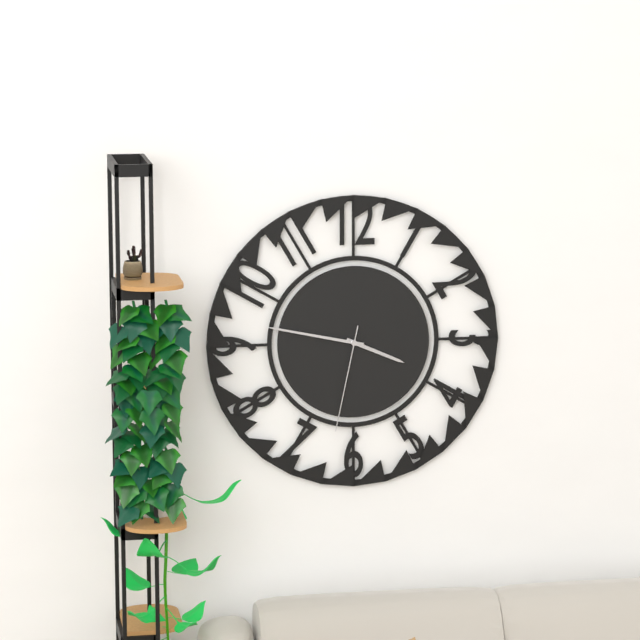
**3:47:32**
